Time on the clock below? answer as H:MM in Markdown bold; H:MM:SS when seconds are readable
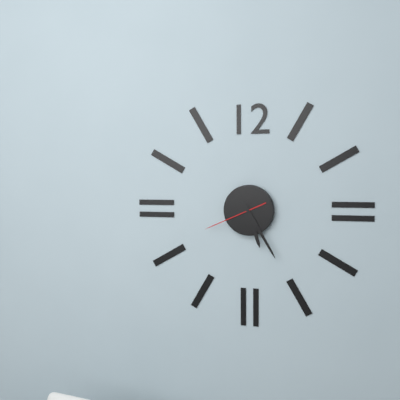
**5:25:41**
